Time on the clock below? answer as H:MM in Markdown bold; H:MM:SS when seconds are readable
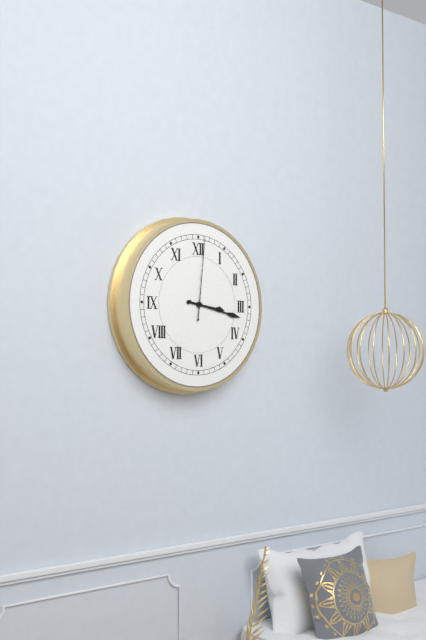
**3:17:01**
